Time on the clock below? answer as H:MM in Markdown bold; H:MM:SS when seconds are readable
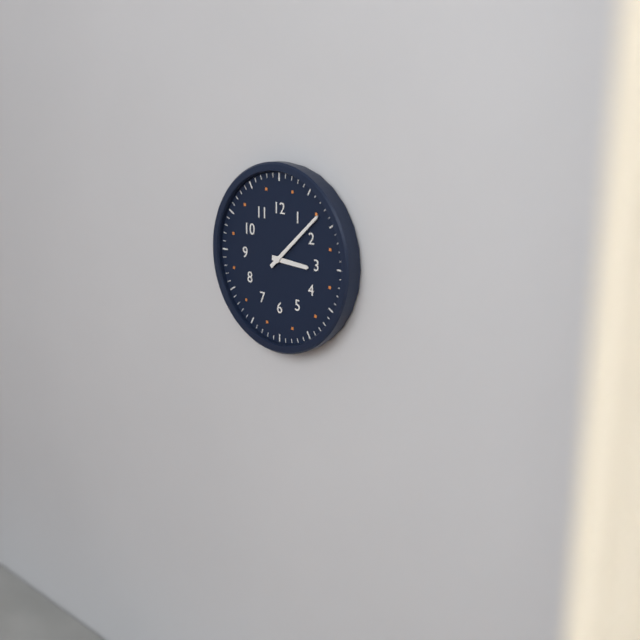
**3:08**
